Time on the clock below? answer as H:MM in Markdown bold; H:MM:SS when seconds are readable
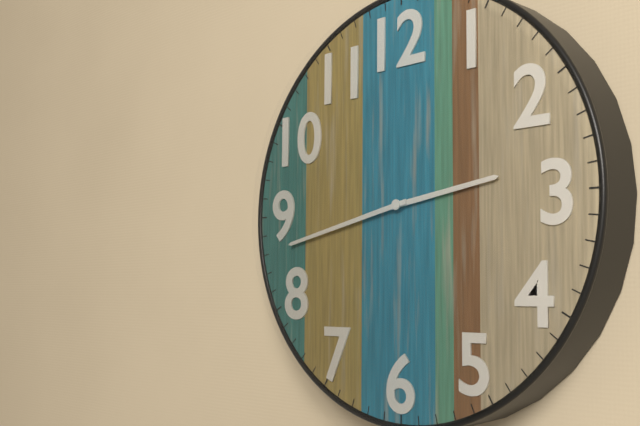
**2:43**
